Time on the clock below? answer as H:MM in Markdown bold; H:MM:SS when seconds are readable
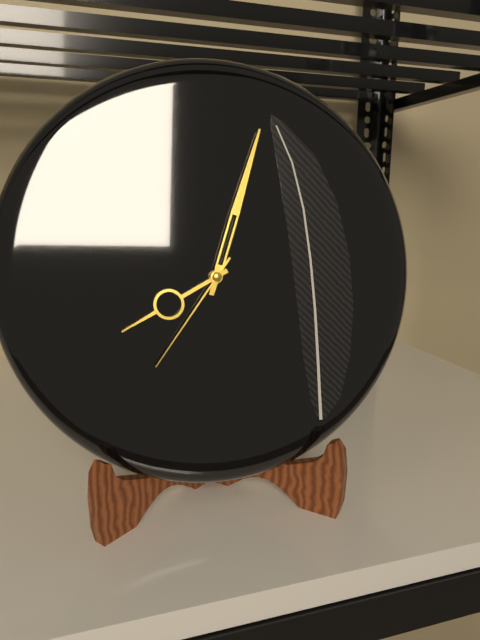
**8:03:36**
